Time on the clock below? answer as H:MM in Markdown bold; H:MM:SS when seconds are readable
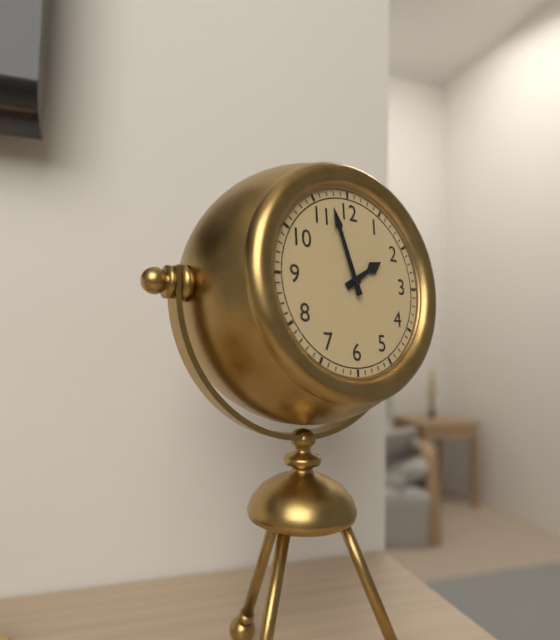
**1:57**
